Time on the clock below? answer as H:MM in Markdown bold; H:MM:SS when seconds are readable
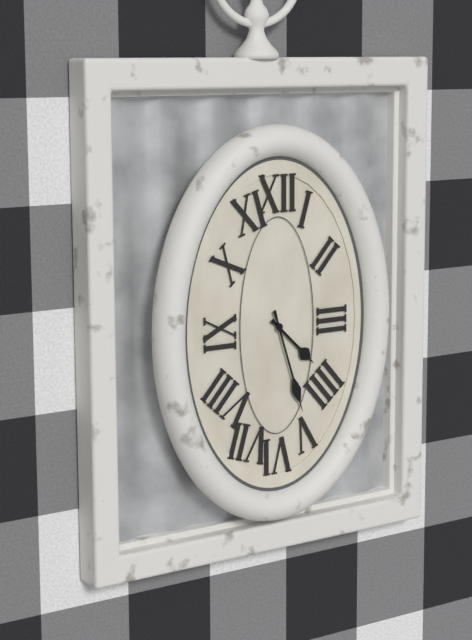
**4:27**
